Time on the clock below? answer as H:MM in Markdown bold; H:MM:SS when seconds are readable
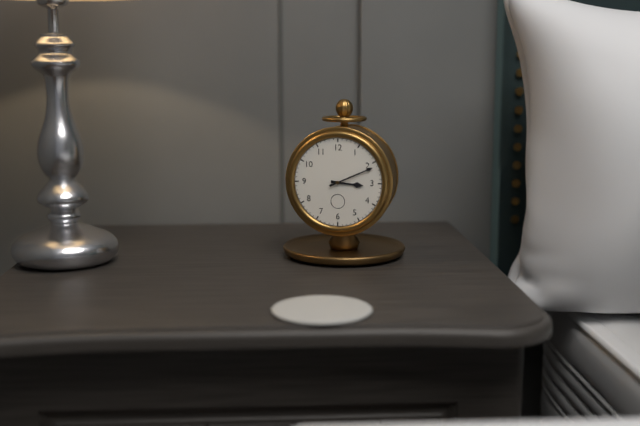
**3:11**
